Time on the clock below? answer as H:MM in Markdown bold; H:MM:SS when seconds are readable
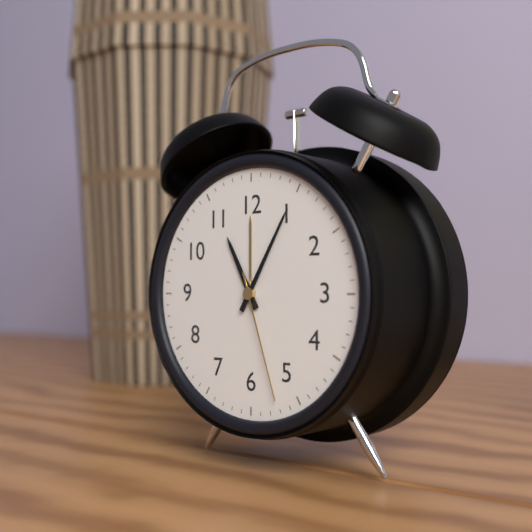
**11:05:27**
